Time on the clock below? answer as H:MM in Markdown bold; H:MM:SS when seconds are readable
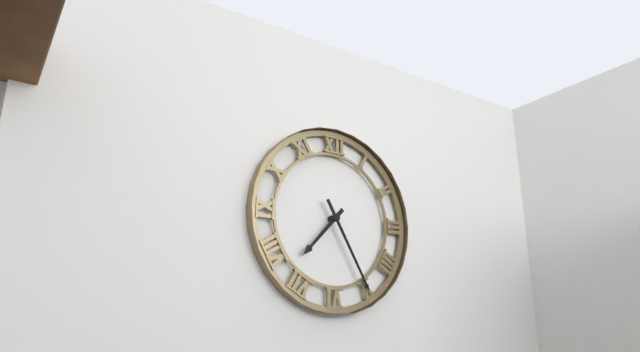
**7:25**
